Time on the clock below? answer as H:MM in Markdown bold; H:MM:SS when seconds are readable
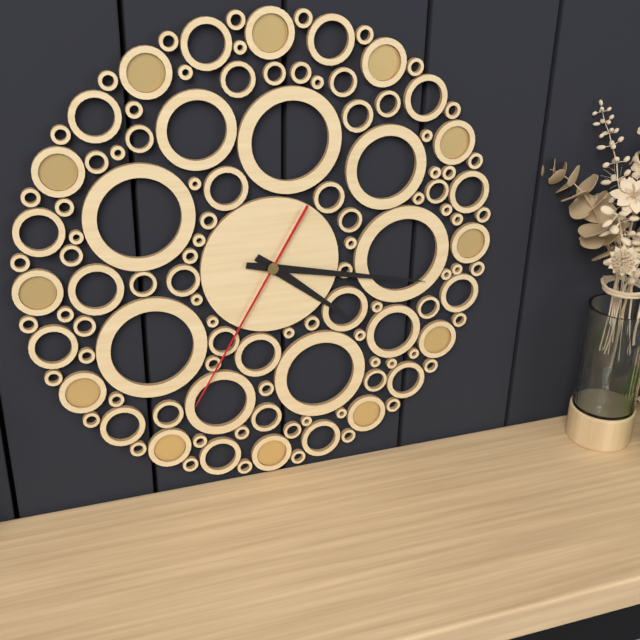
**4:17:35**
